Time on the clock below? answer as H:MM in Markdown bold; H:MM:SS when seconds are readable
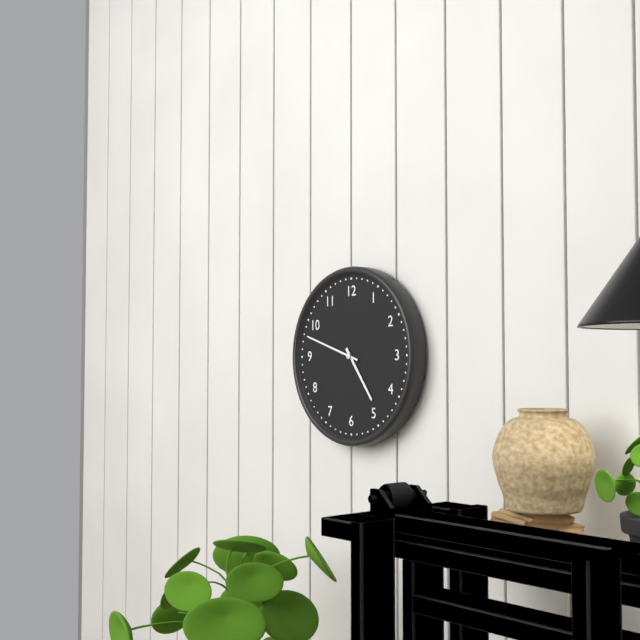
**4:48**
